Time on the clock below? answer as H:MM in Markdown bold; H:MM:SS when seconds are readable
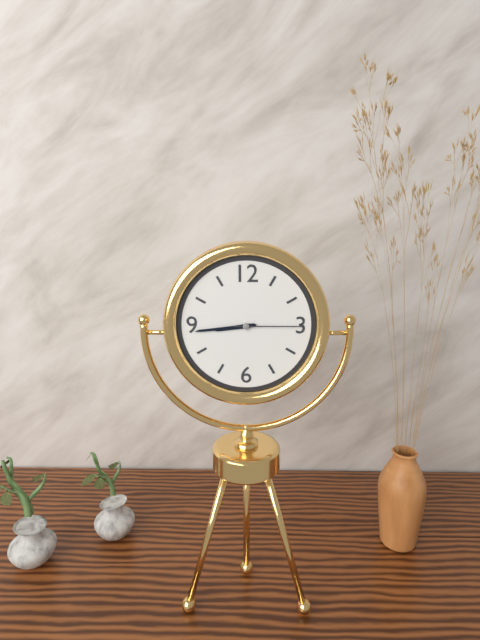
**8:44:15**
